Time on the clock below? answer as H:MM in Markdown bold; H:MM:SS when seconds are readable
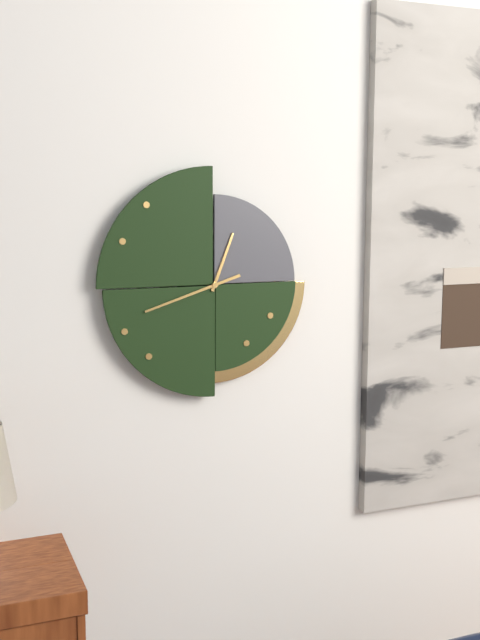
**12:42**
